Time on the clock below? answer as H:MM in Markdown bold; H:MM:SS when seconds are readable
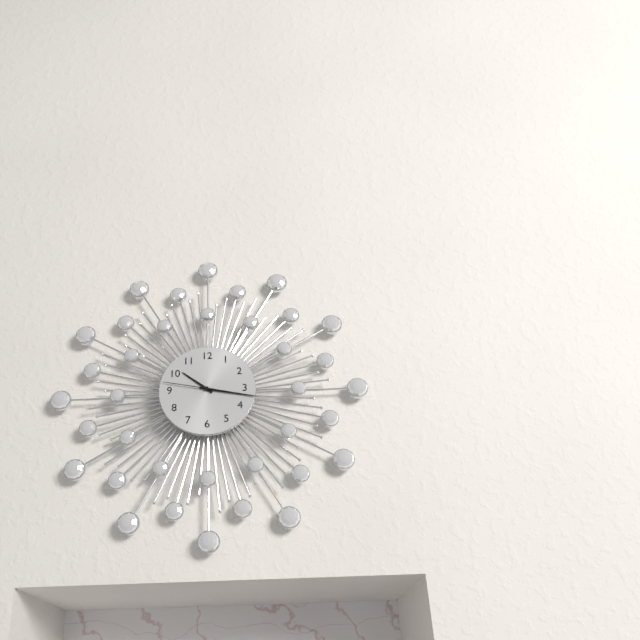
**10:17:47**
